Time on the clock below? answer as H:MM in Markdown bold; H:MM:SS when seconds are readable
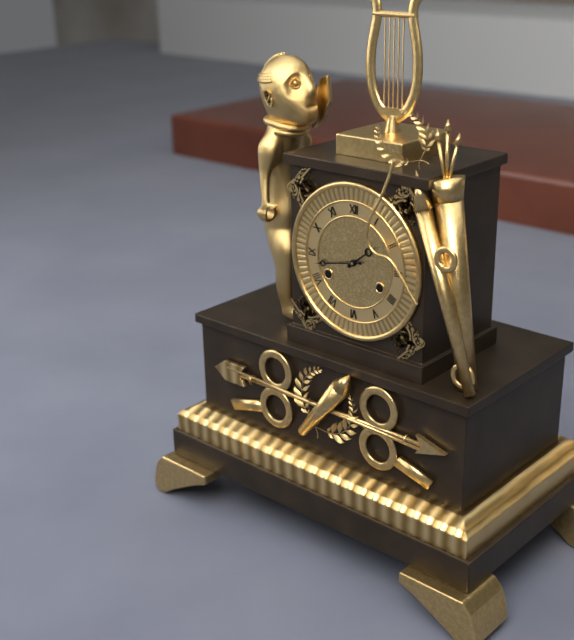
**1:43**
